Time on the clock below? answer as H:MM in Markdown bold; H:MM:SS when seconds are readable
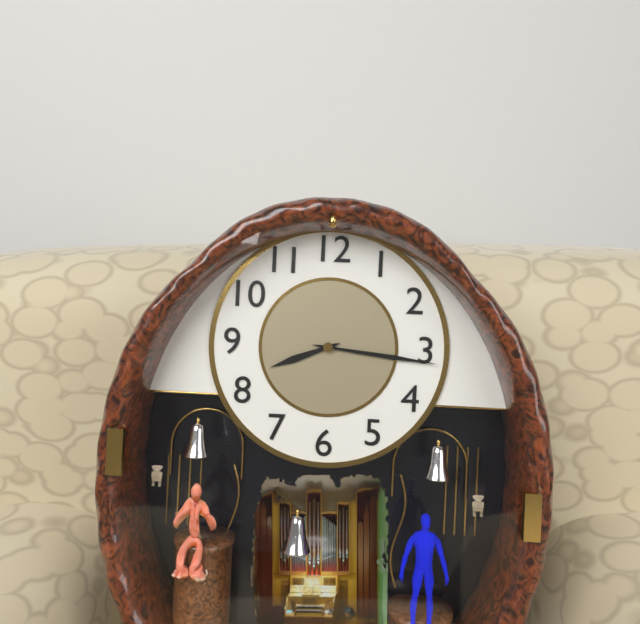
**8:16**
